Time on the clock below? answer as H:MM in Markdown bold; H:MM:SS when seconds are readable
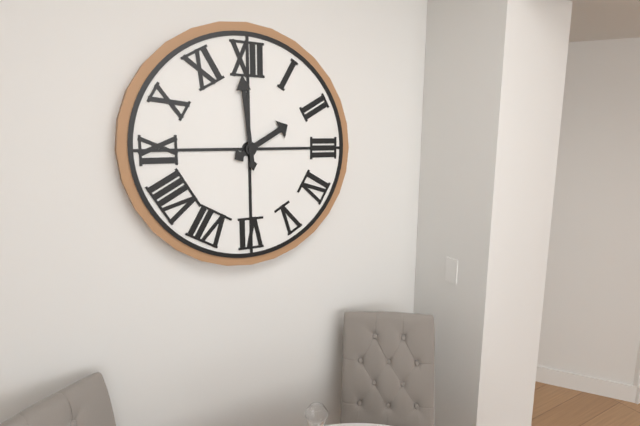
**1:59**
